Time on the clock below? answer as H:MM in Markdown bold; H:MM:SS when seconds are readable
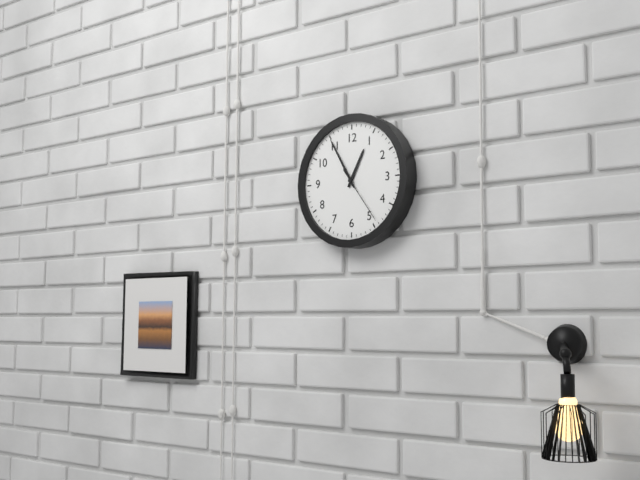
**12:55:24**
